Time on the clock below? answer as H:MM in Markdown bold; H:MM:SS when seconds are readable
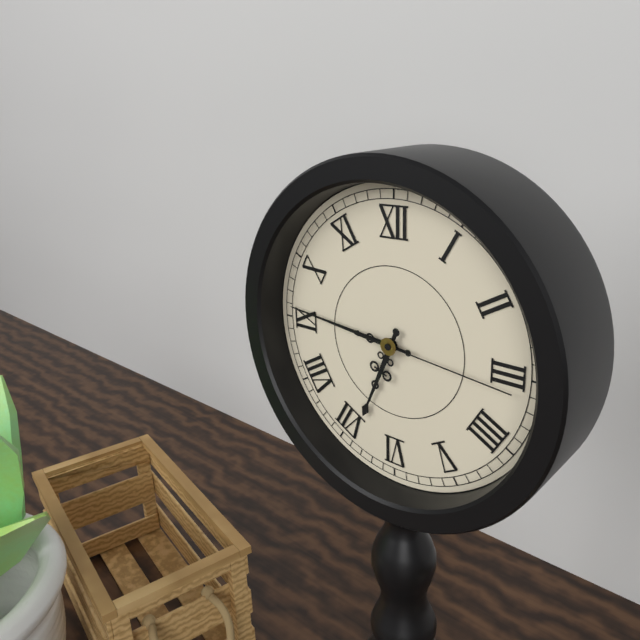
**6:46:16**
